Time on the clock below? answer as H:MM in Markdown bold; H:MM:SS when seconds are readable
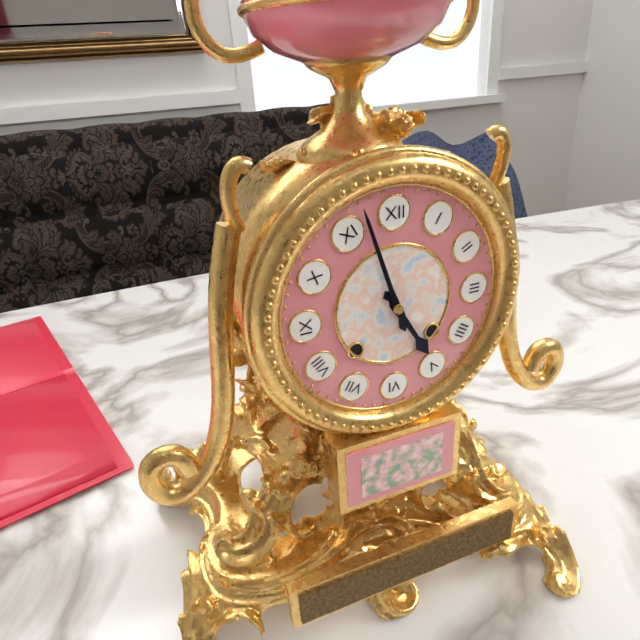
**4:57**
